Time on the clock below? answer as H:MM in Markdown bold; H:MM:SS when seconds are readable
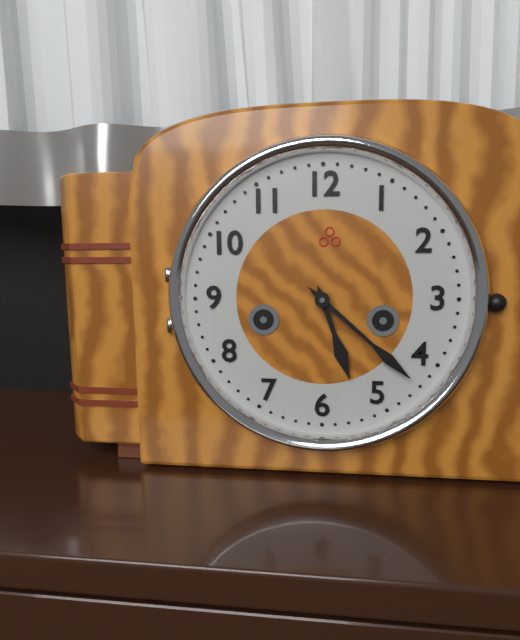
**5:22**
